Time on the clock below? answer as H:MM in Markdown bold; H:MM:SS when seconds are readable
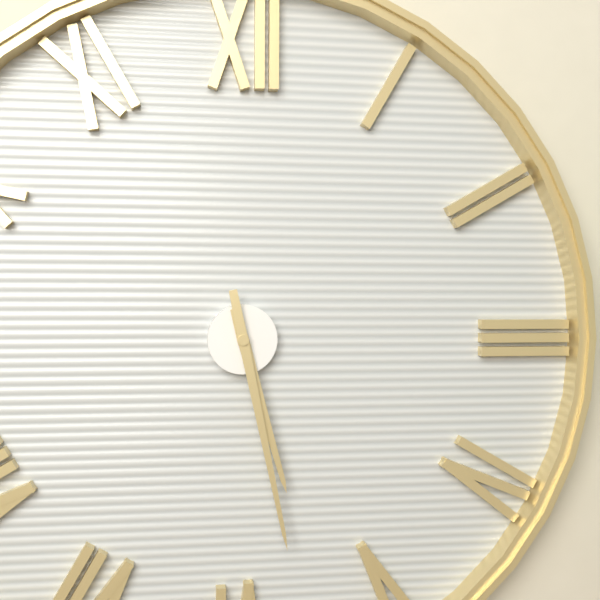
**5:28**
